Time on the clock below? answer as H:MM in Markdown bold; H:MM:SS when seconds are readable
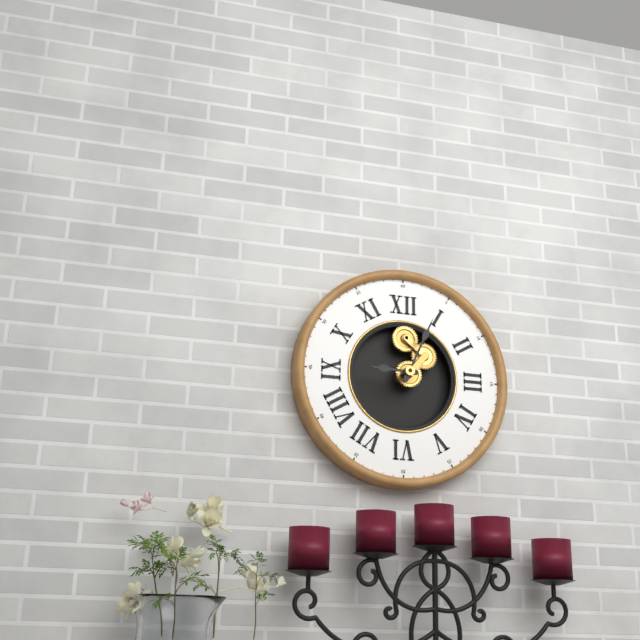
**9:04**
